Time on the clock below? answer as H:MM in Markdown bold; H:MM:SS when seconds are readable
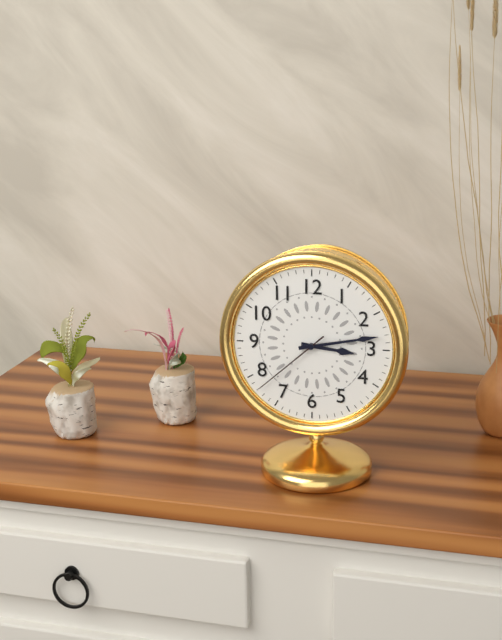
**3:13:38**
